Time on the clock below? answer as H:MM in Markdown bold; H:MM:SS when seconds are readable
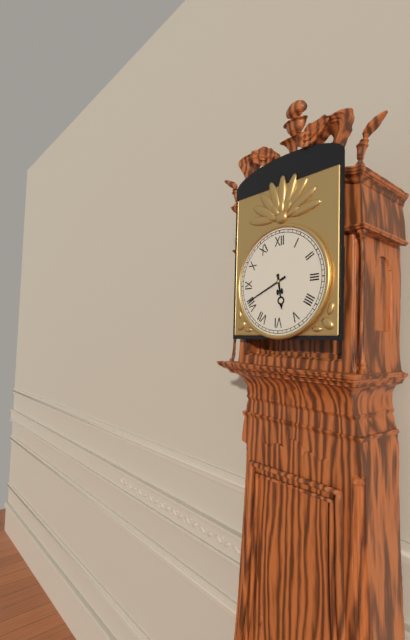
**5:41**
